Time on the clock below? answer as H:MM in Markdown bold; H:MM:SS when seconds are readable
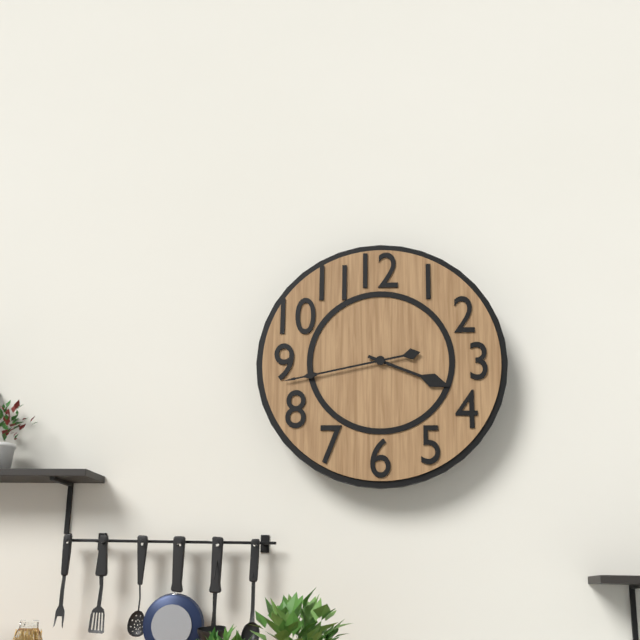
**3:43**
